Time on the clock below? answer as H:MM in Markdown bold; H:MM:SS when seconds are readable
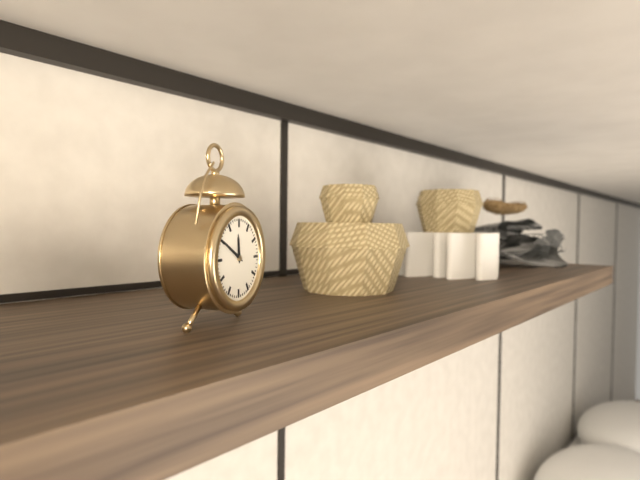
**11:50**
